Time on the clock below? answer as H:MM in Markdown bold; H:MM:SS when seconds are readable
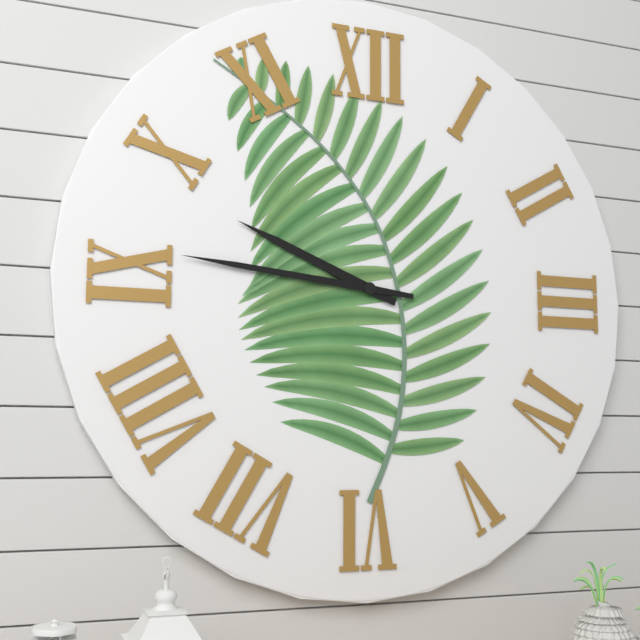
**9:46**
